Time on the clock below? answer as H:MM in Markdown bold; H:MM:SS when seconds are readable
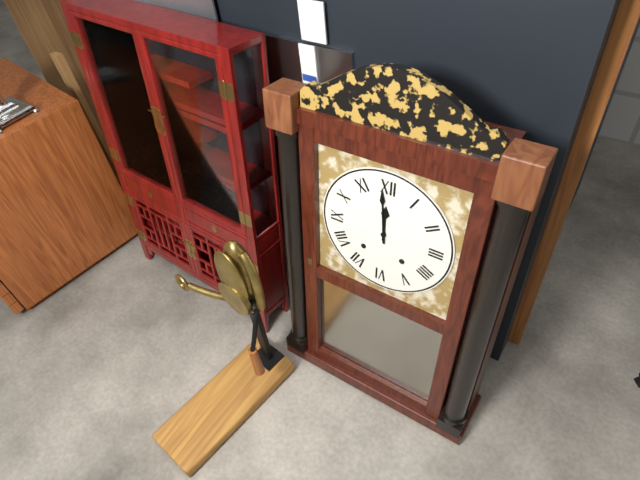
**11:59**
